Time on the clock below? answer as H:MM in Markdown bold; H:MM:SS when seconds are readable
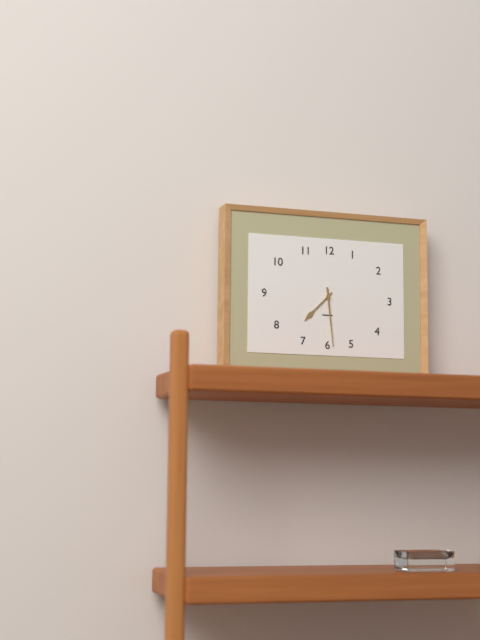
**7:29**
